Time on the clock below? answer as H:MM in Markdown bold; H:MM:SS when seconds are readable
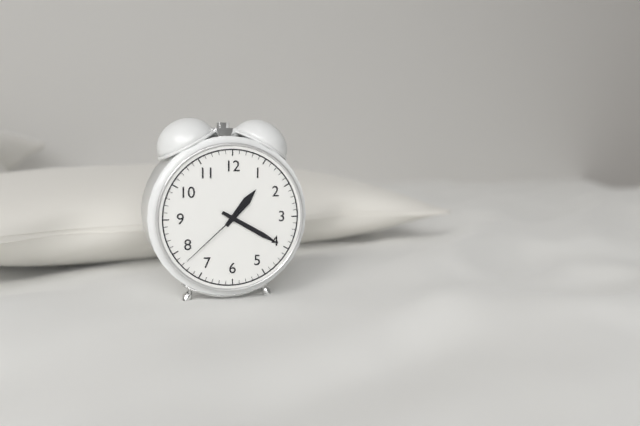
**1:20:38**
